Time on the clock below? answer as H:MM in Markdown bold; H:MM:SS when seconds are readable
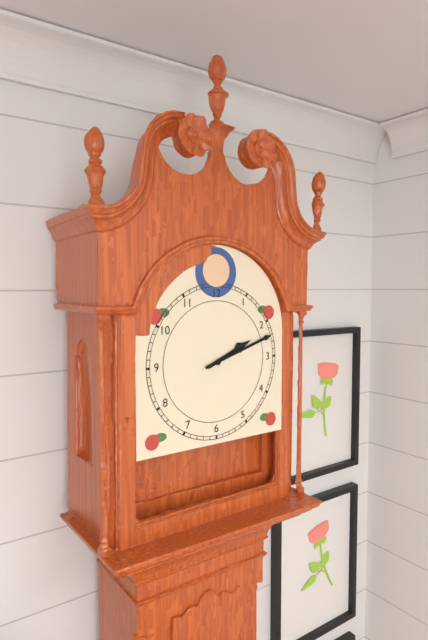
**2:12**
